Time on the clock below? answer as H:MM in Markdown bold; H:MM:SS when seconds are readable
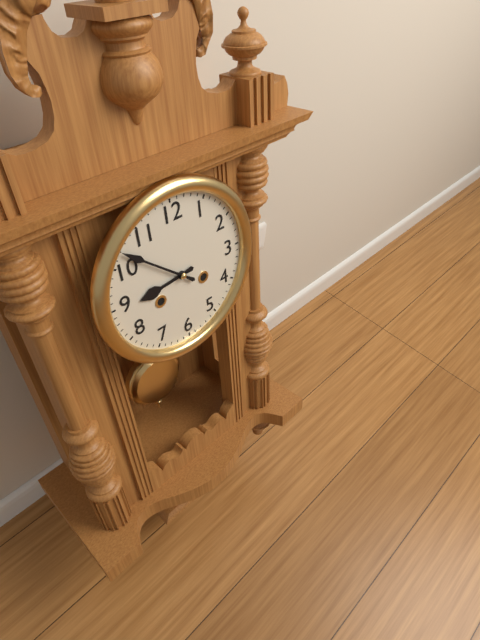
**8:52**
